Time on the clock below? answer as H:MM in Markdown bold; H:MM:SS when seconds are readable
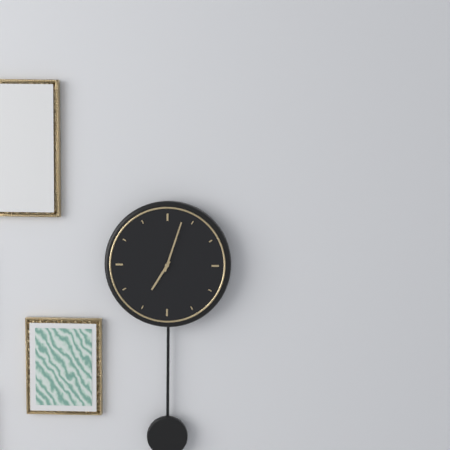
**7:03**
